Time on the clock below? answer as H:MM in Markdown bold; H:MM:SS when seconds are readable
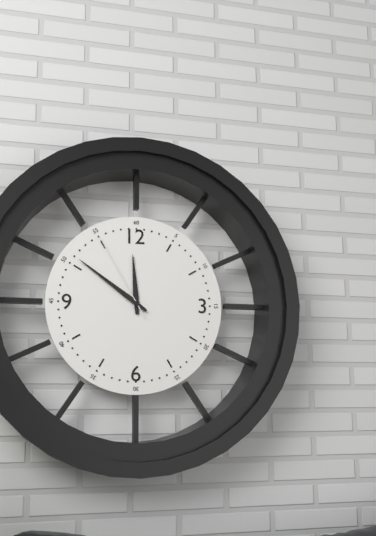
**11:51:55**
